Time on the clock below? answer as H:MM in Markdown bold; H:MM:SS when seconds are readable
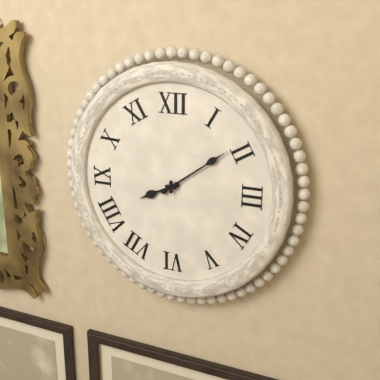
**8:09**
